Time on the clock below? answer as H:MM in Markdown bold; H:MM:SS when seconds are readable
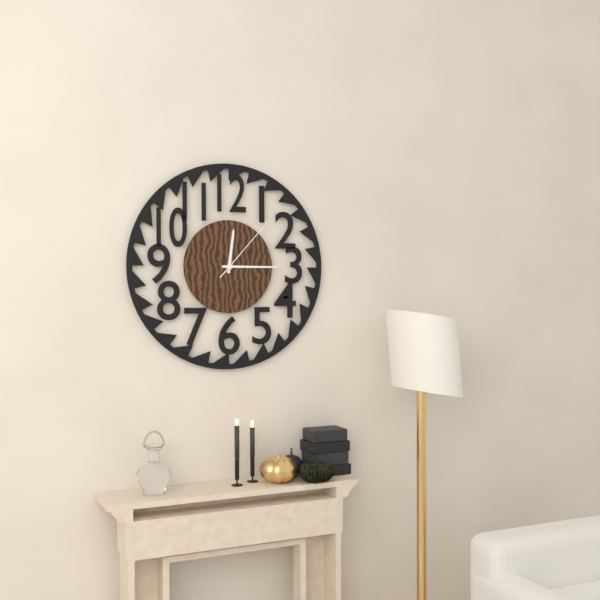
**12:15:07**
